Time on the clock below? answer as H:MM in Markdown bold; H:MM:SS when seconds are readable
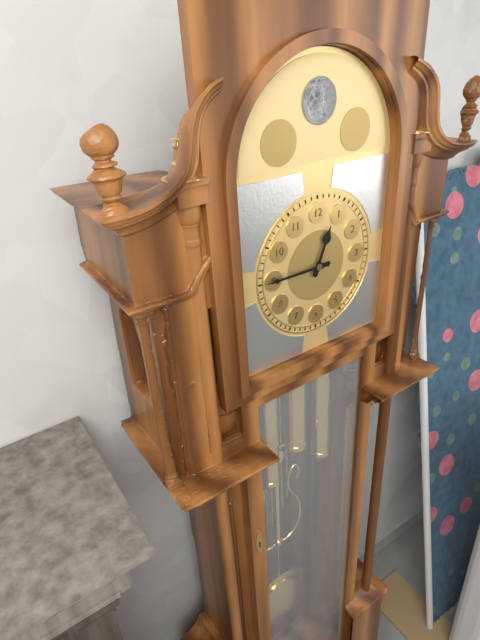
**12:45**
